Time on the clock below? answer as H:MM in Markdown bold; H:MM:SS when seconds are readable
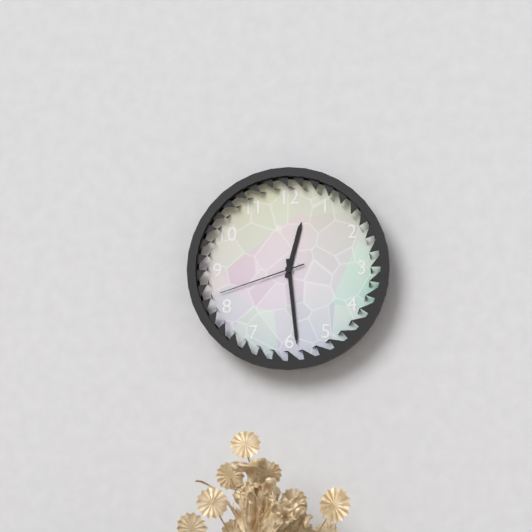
**12:29:42**
